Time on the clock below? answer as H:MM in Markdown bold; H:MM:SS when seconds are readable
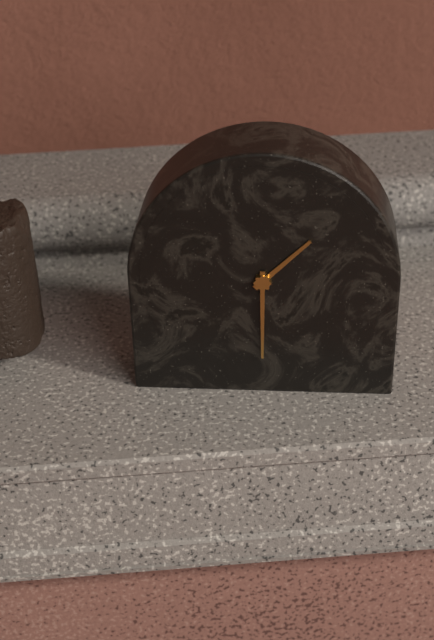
**1:30**
